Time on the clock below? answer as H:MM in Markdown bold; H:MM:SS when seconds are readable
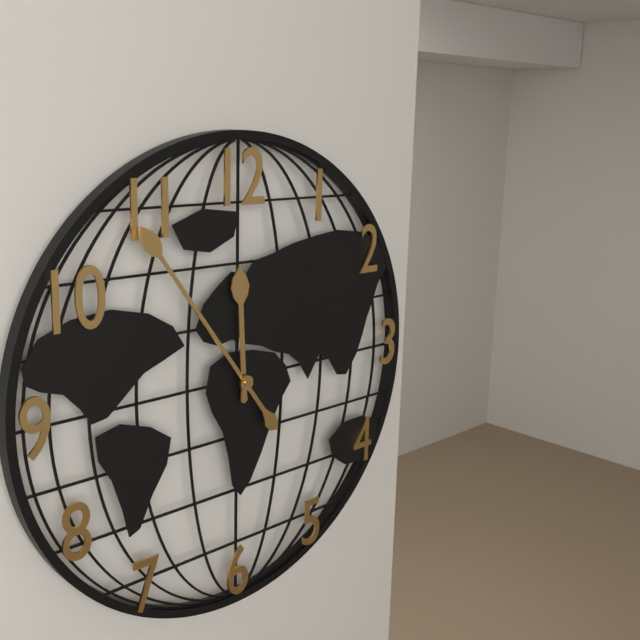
**11:54**
